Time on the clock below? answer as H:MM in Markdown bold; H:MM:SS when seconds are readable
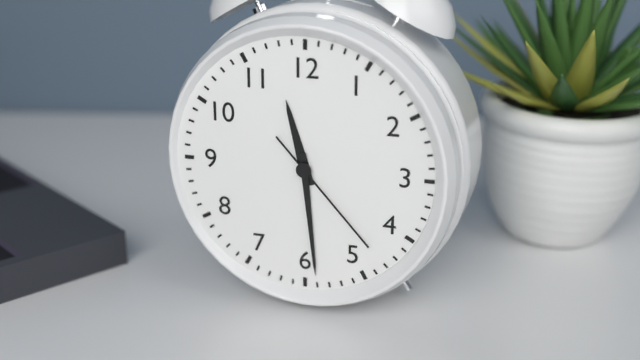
**11:29:23**
